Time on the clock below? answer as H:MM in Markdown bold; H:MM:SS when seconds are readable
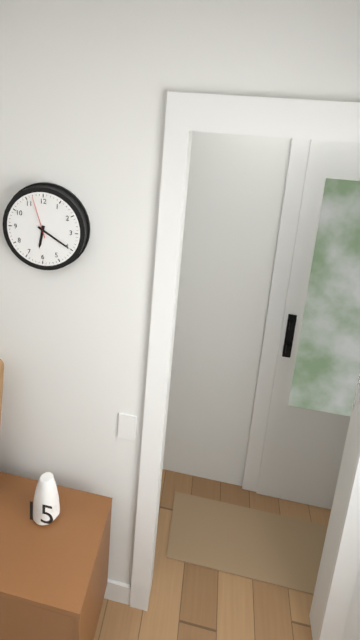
**6:20**
